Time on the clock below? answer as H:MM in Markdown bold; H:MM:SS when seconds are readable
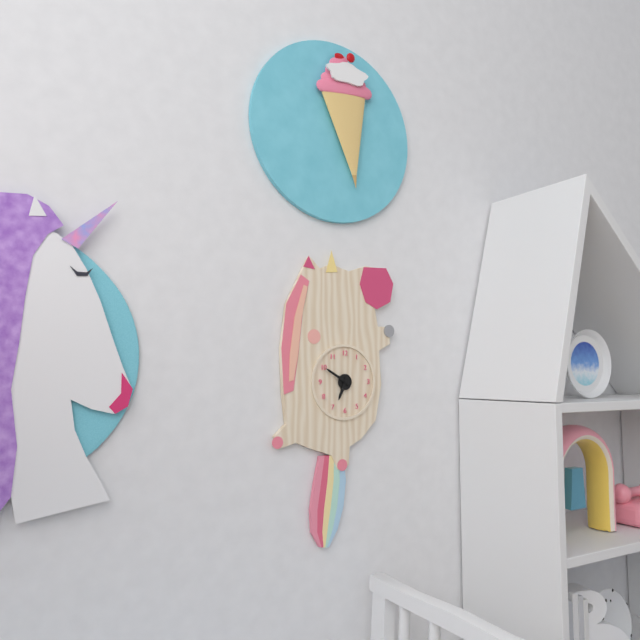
**6:50**
